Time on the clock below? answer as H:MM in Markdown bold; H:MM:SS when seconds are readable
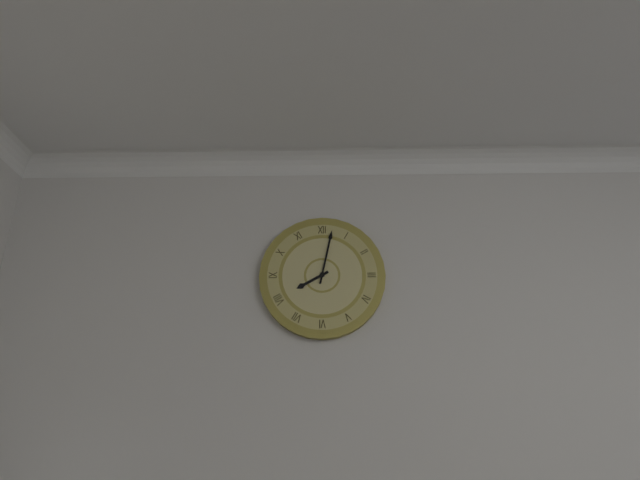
**8:02**
